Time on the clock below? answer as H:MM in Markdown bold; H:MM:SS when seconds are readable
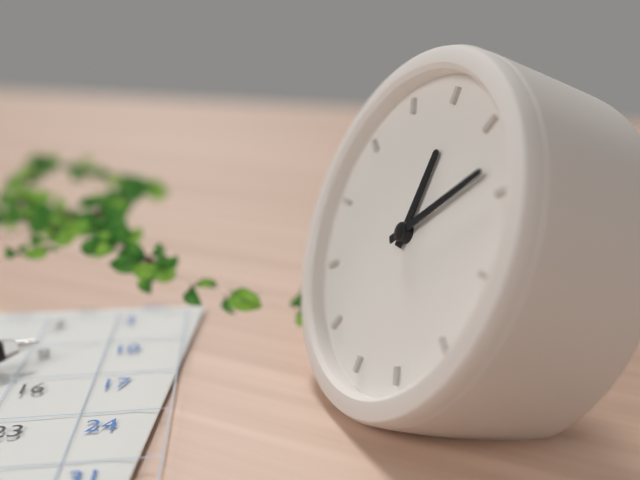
**12:08**
